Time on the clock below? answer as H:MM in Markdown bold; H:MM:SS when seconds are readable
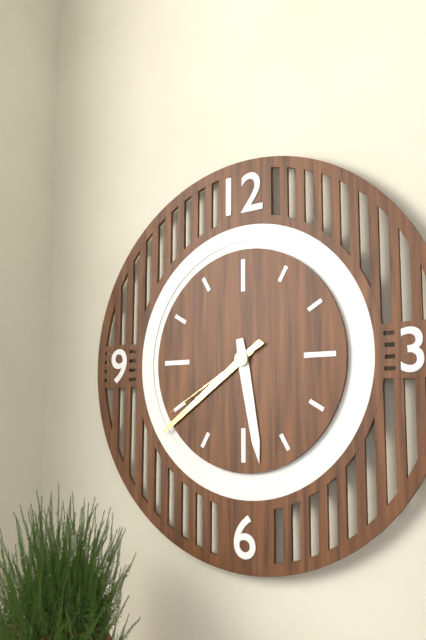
**5:39:40**
